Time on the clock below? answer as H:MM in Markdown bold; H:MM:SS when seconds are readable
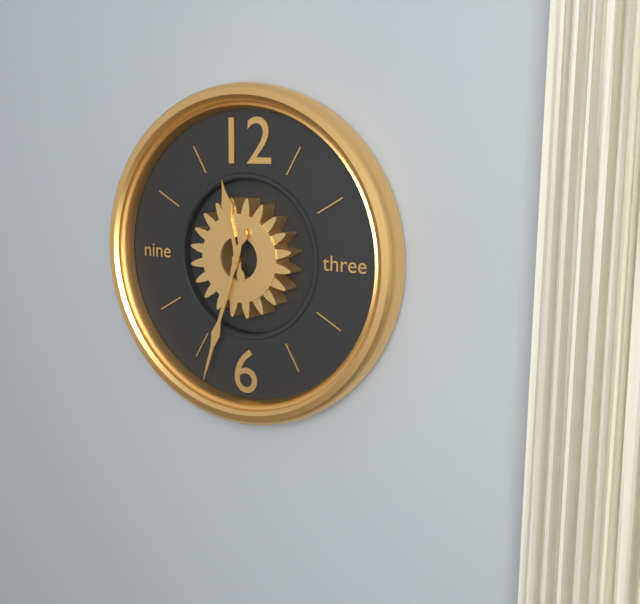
**11:33**
